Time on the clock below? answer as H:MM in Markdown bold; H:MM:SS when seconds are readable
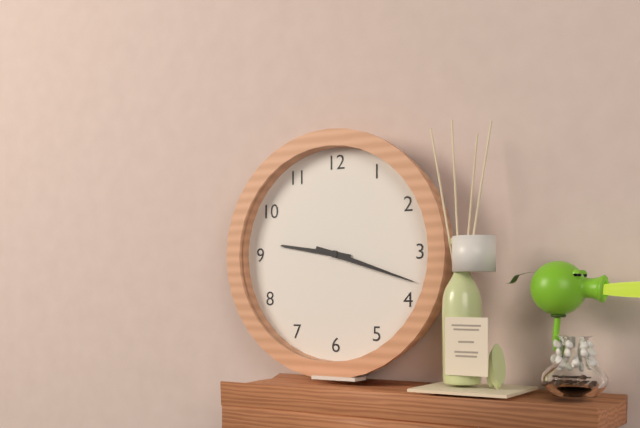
**9:18**
